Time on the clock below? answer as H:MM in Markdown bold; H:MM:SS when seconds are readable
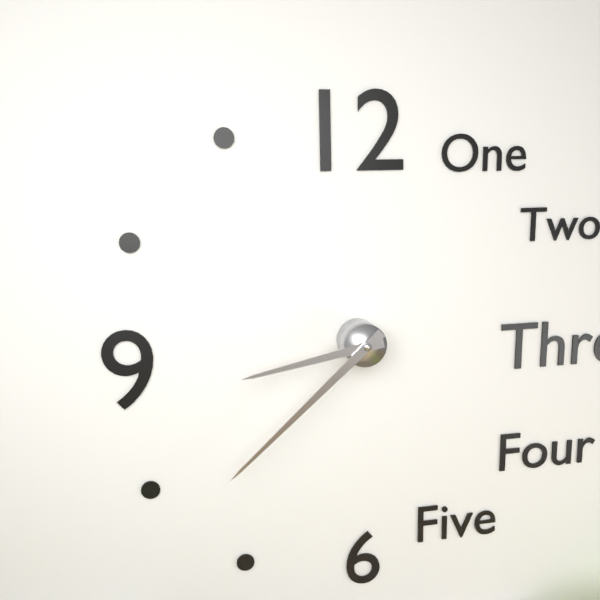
**8:38**
